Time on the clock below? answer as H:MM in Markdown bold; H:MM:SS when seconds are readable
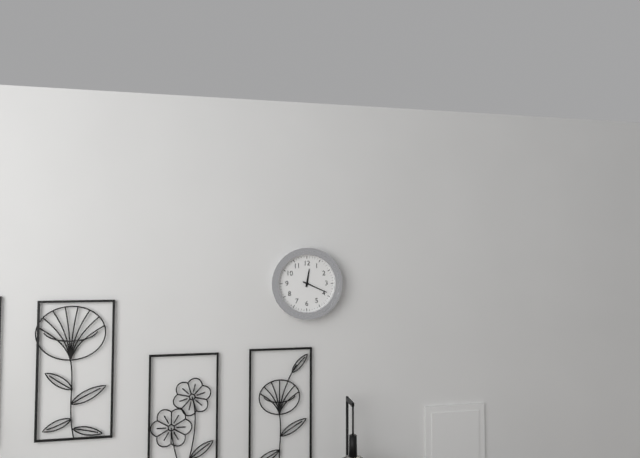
**12:19**
